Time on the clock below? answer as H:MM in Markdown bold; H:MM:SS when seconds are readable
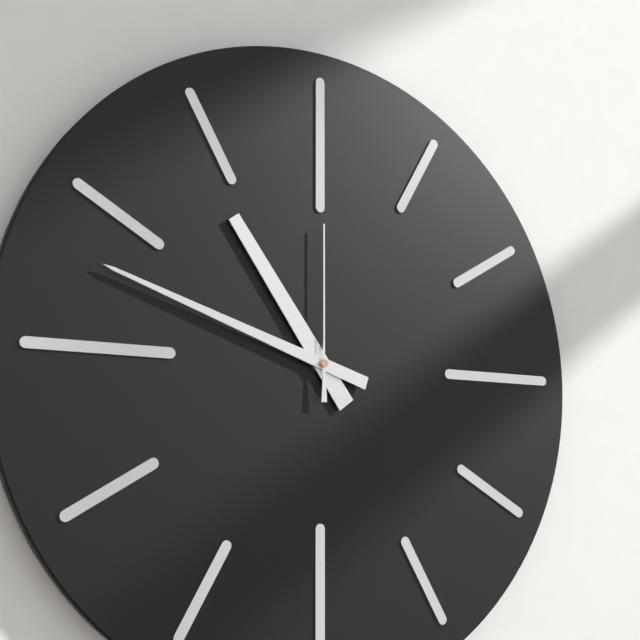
**10:48:00**
